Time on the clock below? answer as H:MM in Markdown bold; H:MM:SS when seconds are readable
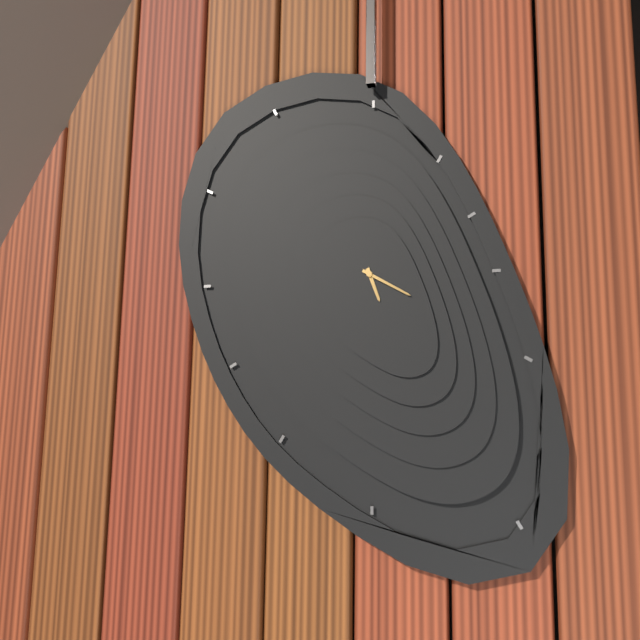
**5:20**
